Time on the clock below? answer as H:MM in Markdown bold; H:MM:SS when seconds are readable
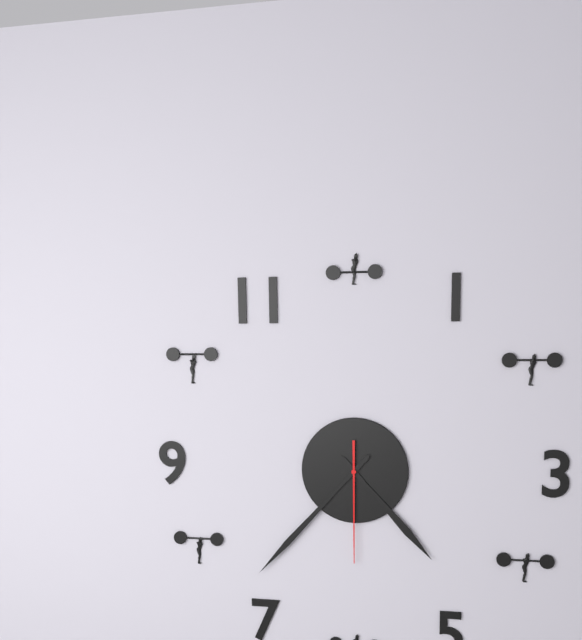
**4:37:30**
